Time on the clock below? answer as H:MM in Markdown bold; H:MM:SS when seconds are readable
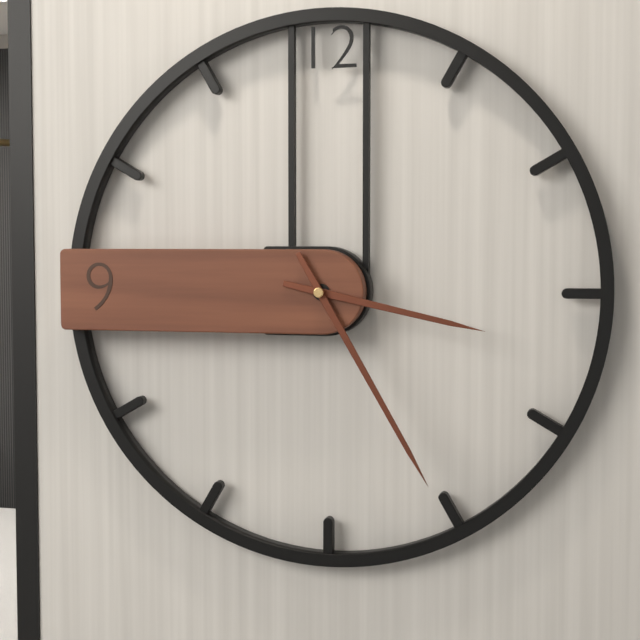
**3:25**
